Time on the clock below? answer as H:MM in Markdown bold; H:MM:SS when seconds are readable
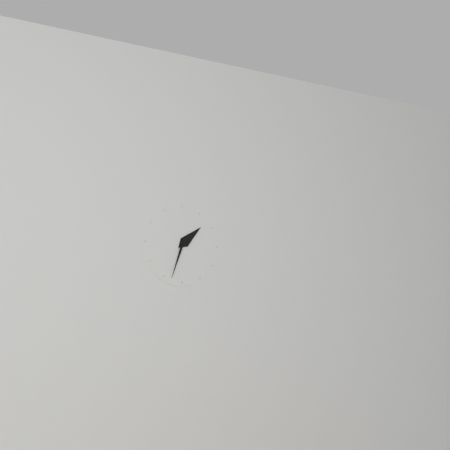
**1:33**
